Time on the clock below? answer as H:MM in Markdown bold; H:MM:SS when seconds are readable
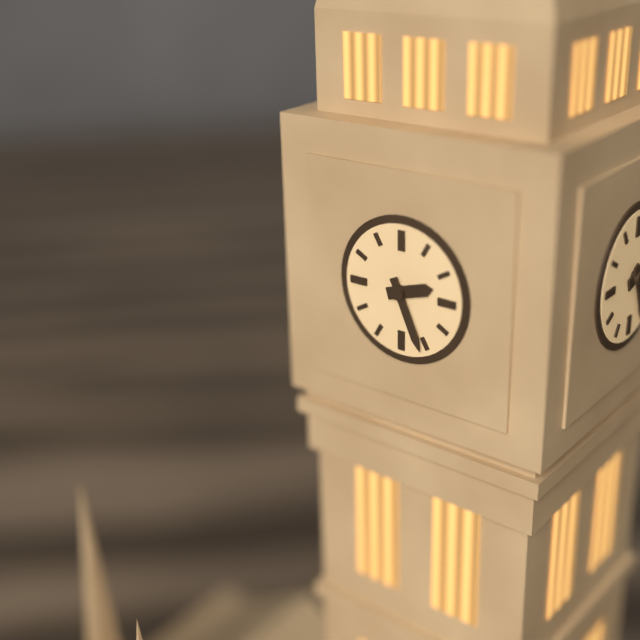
**2:26**
